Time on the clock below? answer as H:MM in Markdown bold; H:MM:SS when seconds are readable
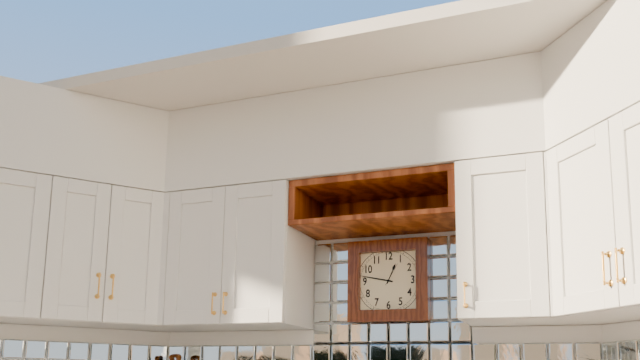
**12:47**
